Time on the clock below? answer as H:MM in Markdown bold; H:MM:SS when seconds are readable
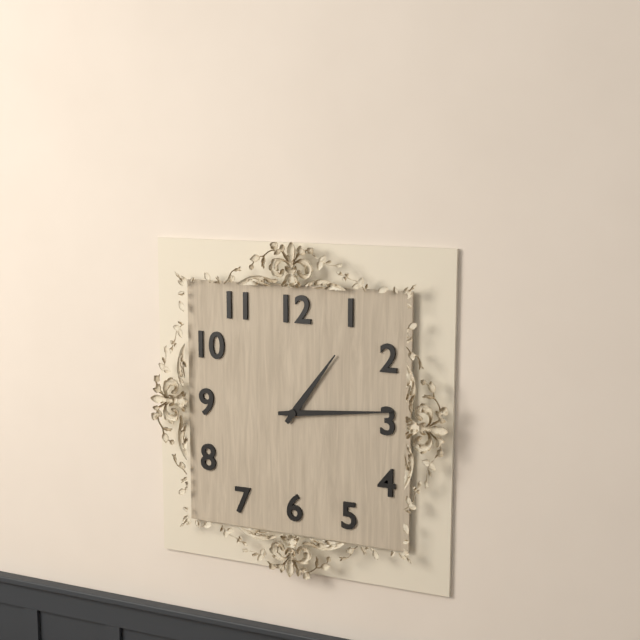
**1:14**
